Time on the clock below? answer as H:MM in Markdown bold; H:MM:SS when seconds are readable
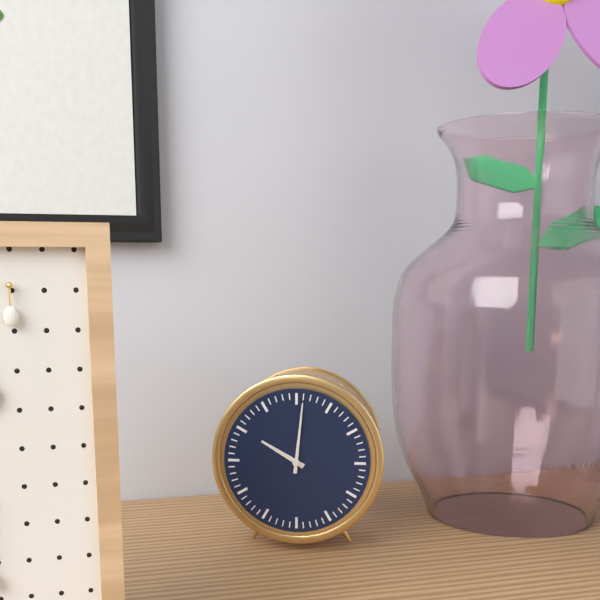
**10:01**
